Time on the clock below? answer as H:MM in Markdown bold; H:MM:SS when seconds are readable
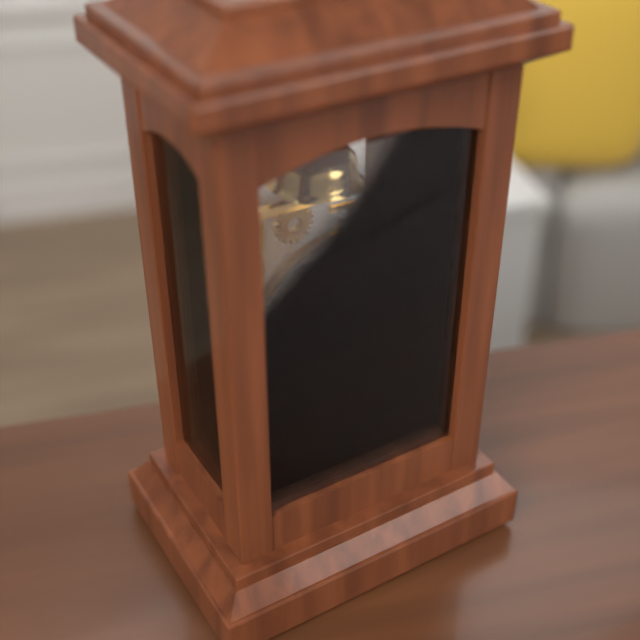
**6:26**
